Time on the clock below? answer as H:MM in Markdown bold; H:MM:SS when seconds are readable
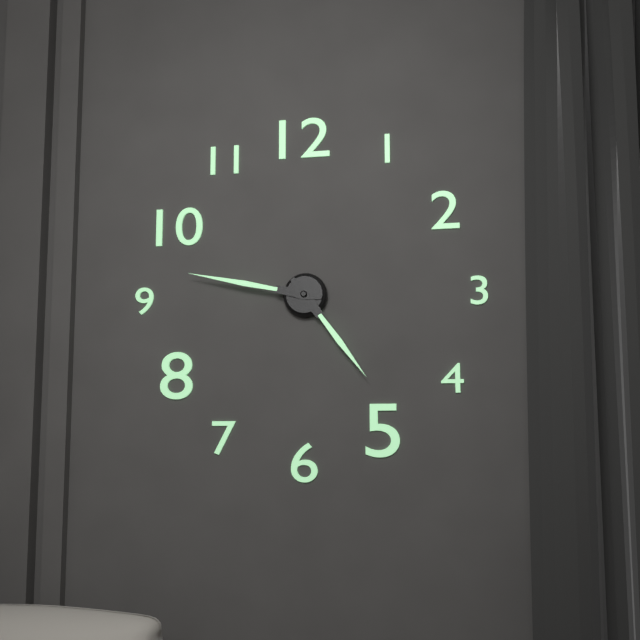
**4:47**
